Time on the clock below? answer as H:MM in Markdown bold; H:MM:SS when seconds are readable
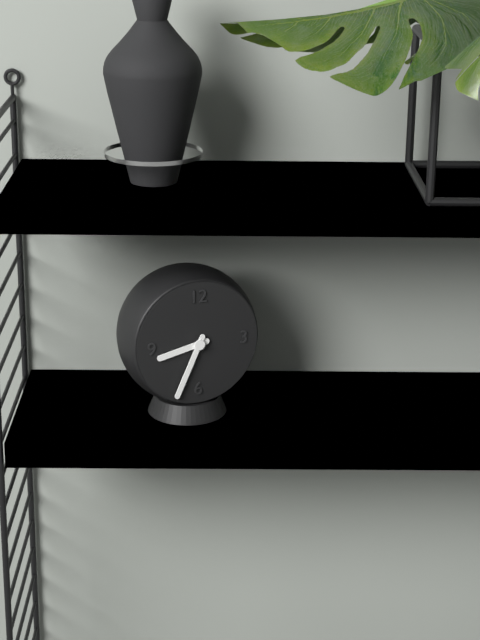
**8:34**
